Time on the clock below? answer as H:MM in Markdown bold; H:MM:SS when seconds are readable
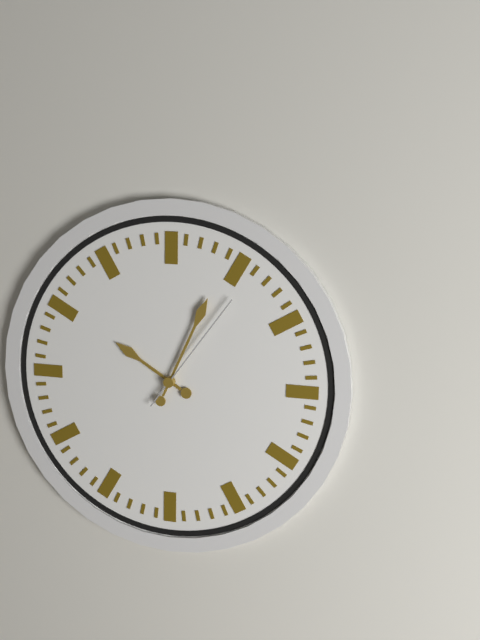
**10:04:06**
